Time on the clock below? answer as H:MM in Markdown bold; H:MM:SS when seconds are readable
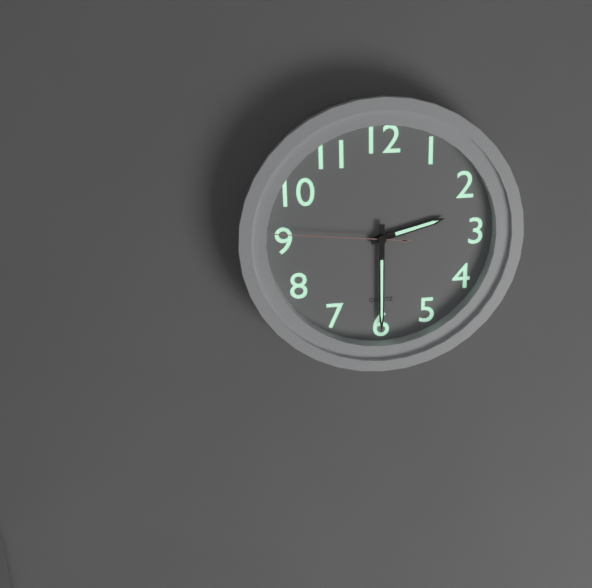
**2:30:46**
